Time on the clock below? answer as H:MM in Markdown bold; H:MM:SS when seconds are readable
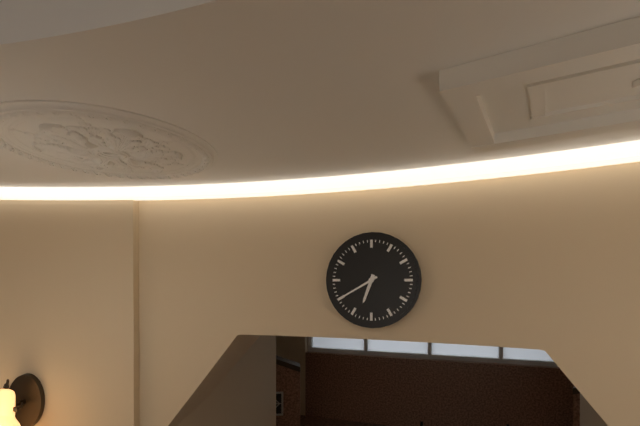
**6:40**
